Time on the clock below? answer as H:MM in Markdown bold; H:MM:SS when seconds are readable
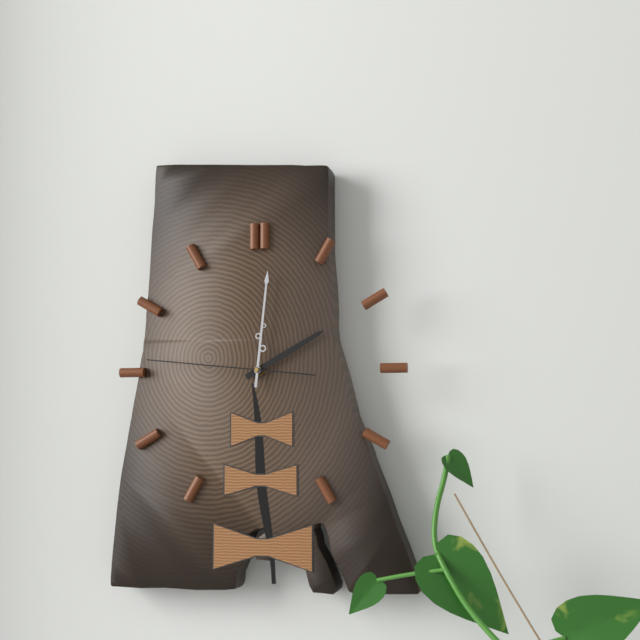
**2:01:46**
